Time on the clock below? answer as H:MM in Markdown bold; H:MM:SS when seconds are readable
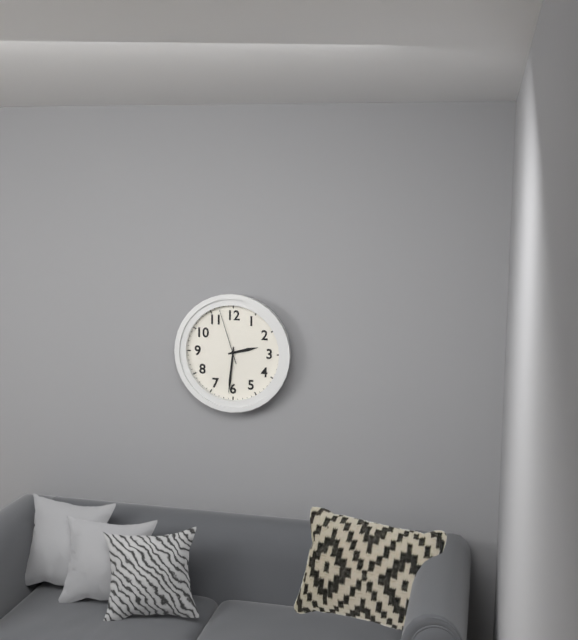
**2:31:57**
